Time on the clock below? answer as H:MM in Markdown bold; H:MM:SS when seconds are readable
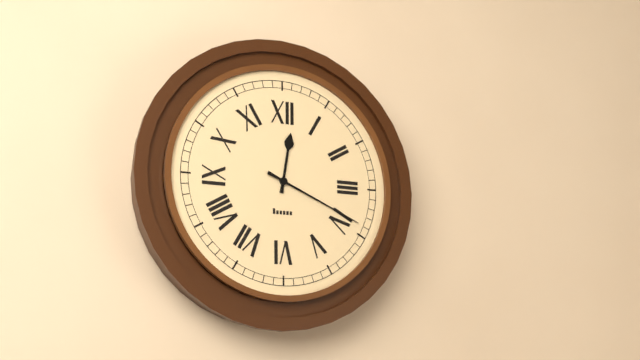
**12:19**
